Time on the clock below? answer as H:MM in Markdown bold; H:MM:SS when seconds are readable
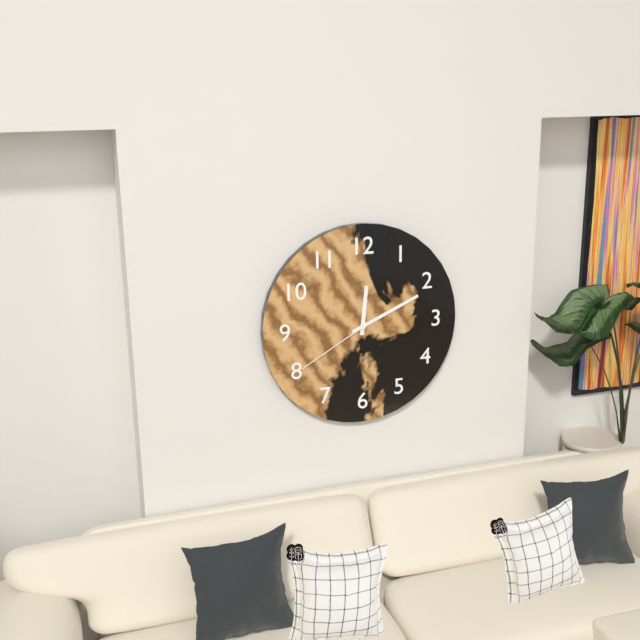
**12:11:40**
